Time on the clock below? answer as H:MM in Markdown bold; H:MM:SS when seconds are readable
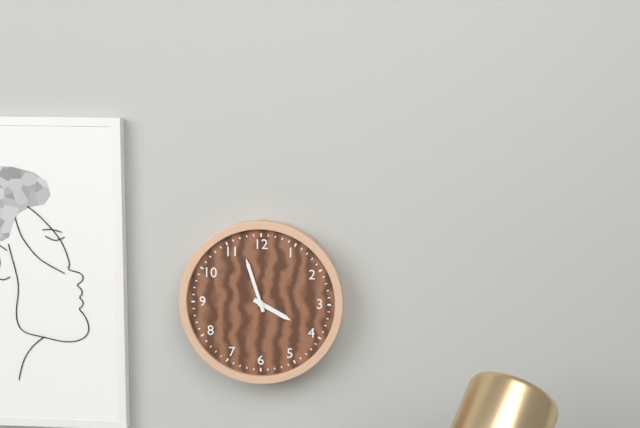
**3:57**
